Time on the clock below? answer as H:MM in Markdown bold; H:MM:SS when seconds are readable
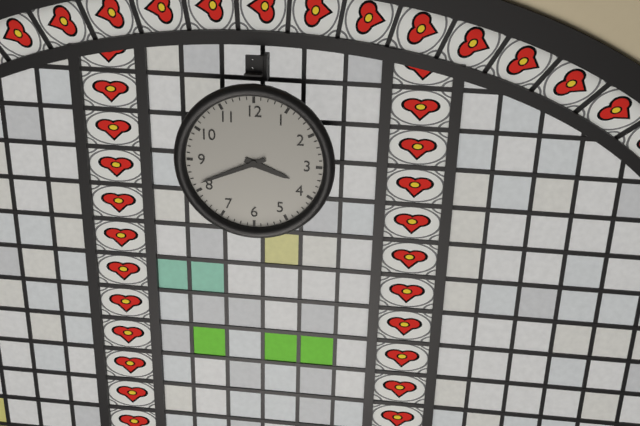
**3:41**
